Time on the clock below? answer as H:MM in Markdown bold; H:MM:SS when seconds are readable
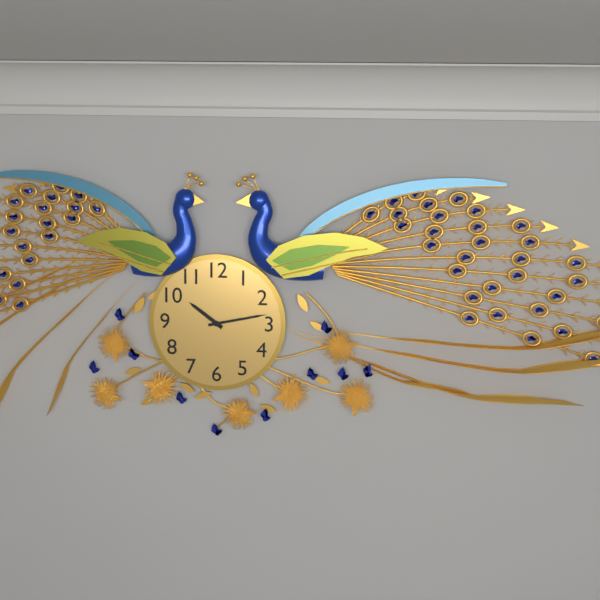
**10:13**
